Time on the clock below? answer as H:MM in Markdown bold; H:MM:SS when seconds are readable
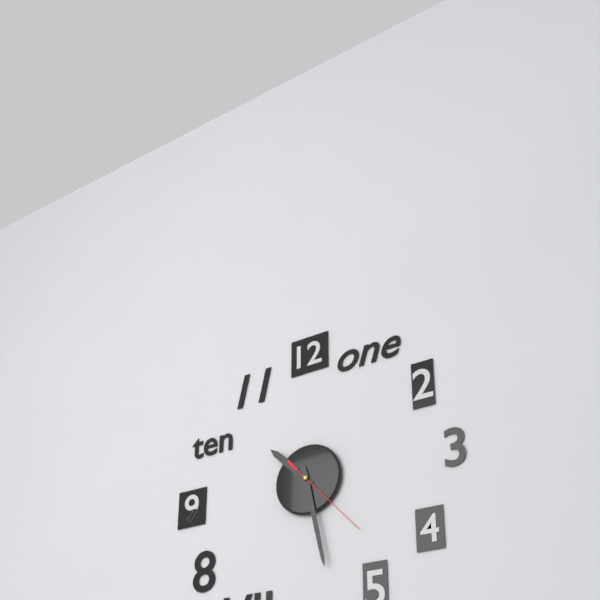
**10:28:23**
